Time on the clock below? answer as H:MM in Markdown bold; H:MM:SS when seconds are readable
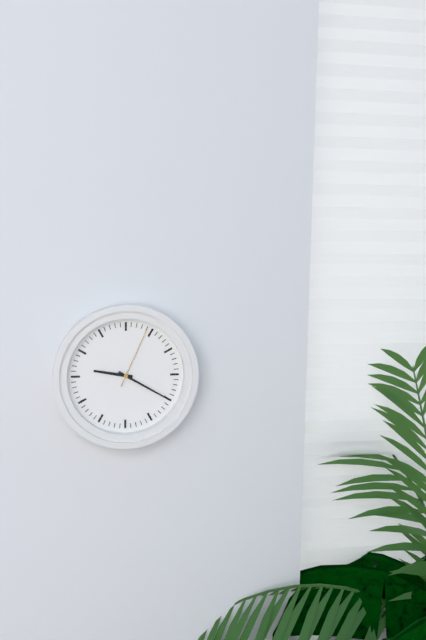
**9:20:04**
